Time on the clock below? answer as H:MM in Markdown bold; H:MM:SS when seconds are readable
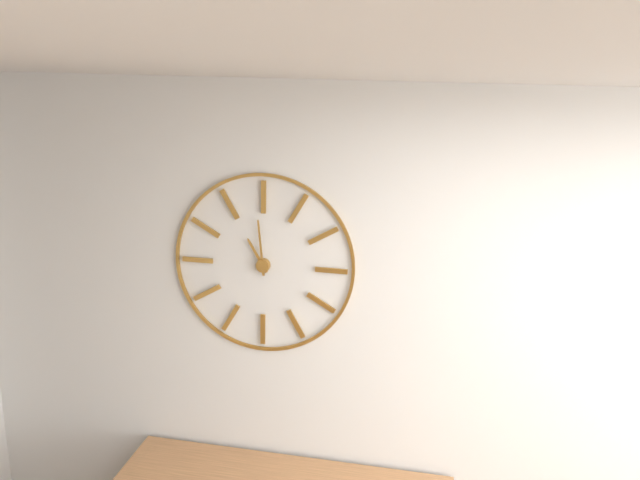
**10:59**
